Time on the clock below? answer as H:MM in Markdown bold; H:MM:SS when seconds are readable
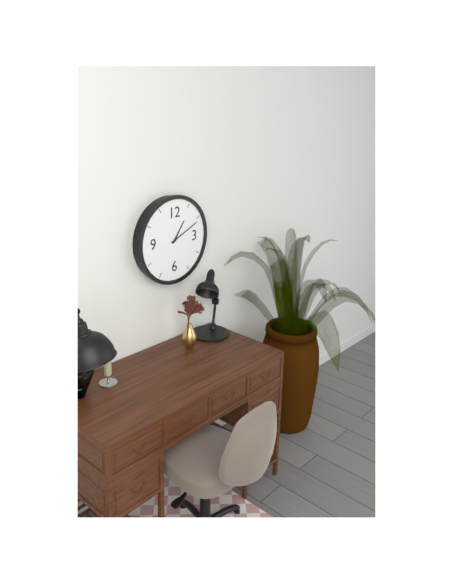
**1:11**
